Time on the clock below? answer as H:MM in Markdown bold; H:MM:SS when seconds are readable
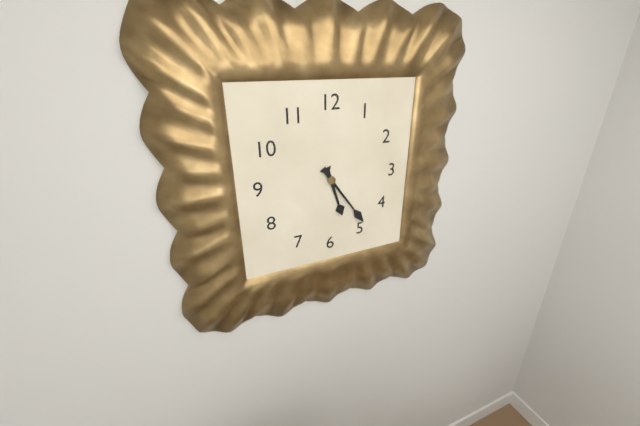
**5:24**
